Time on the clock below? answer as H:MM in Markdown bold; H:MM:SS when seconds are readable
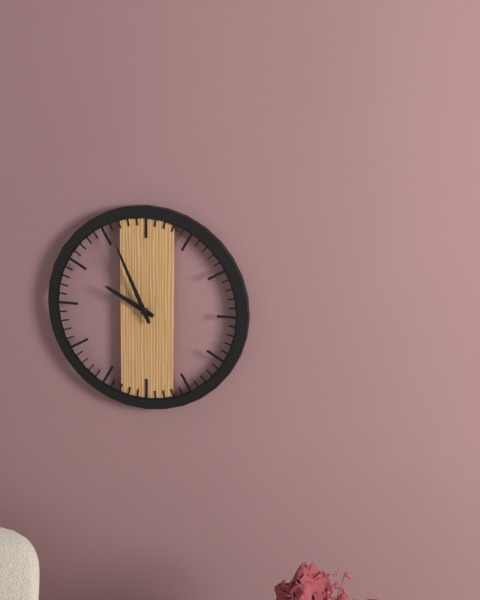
**9:56**
